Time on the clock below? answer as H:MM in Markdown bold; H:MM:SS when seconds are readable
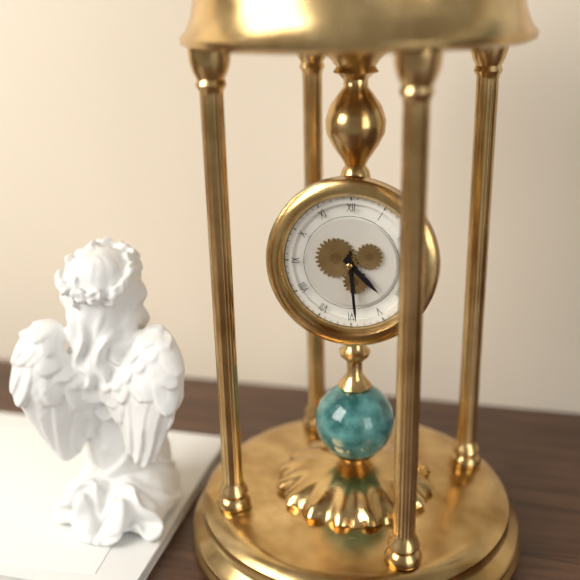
**4:29**
